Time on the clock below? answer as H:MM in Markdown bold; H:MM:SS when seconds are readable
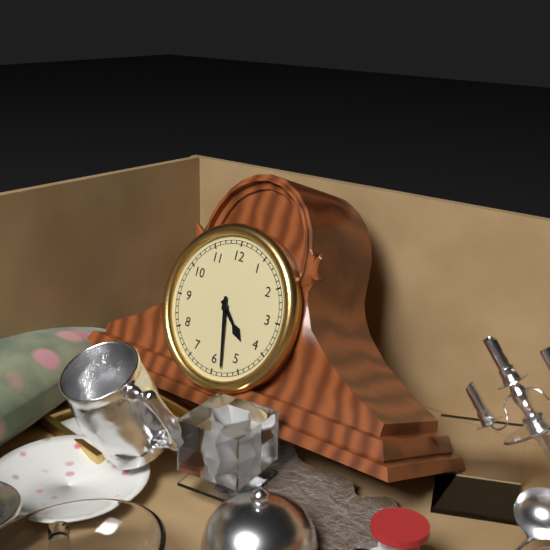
**4:28**
